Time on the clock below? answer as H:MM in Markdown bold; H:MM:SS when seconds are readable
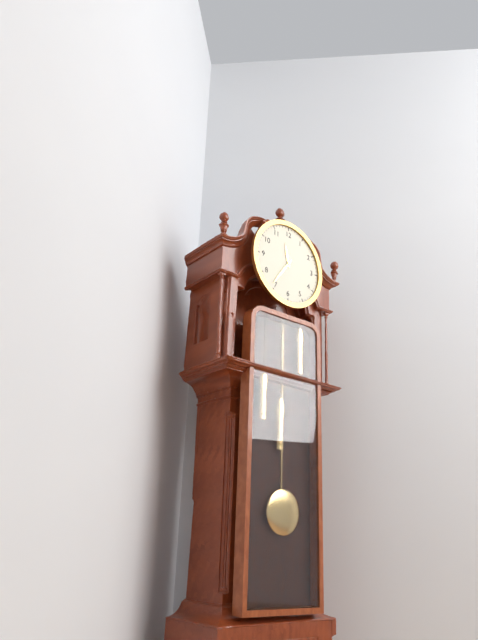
**11:36**
